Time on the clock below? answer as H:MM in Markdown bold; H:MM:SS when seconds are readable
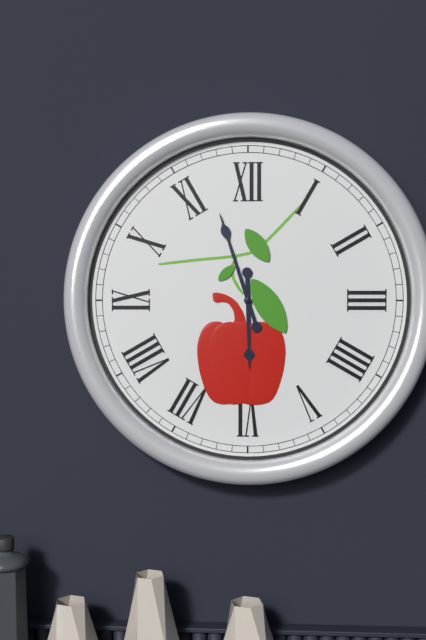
**5:57**
